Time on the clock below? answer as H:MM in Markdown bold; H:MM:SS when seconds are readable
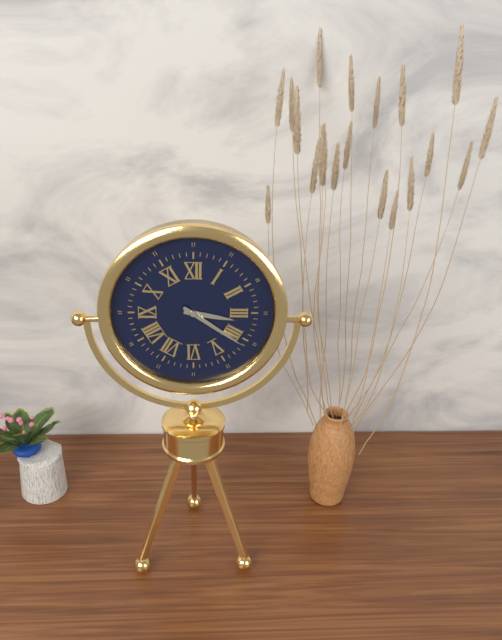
**3:21**
